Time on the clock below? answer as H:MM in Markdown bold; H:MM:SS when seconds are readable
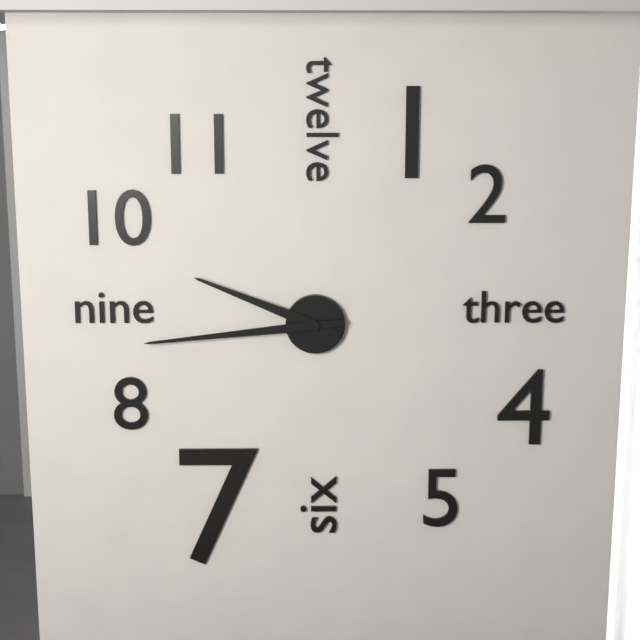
**9:44**
